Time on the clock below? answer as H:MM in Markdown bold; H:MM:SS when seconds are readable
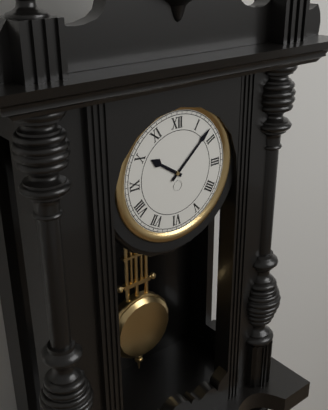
**10:08**
